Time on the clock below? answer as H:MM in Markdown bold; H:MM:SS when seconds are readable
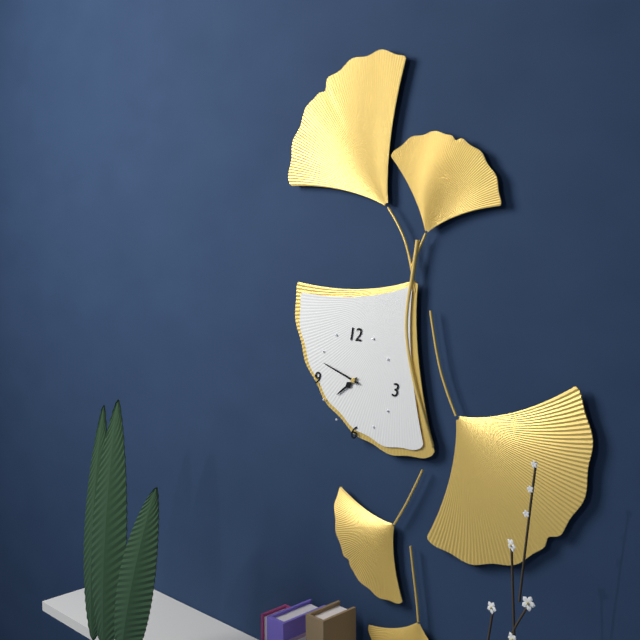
**7:48**
